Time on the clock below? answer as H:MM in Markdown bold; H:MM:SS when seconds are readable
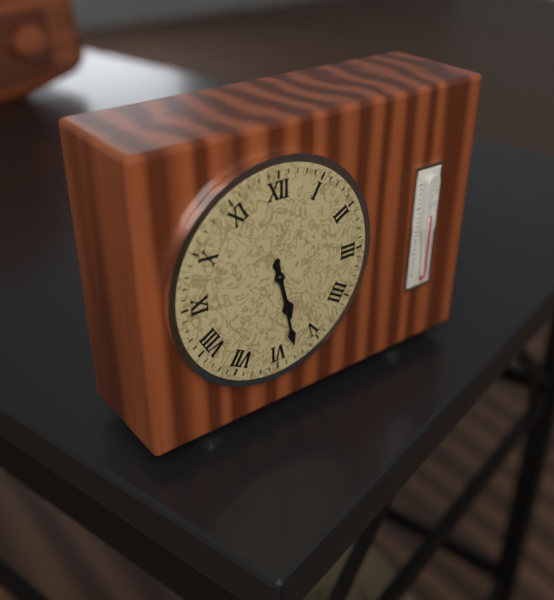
**5:28**
